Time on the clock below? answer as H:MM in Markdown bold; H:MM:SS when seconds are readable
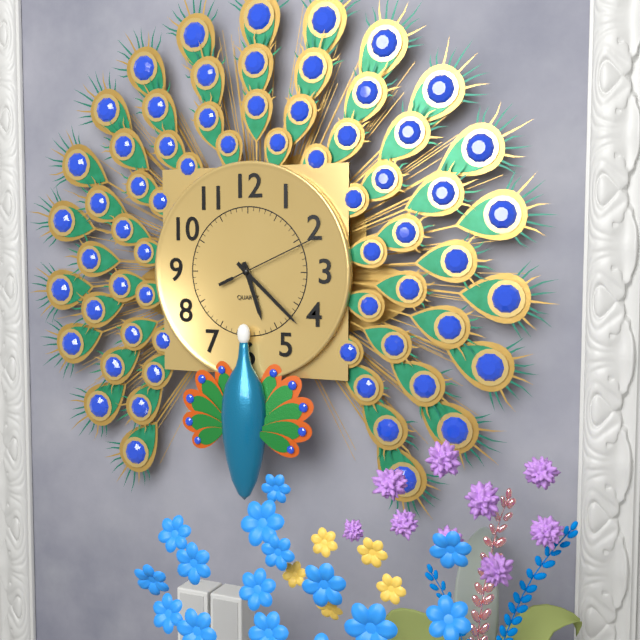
**5:22:11**
